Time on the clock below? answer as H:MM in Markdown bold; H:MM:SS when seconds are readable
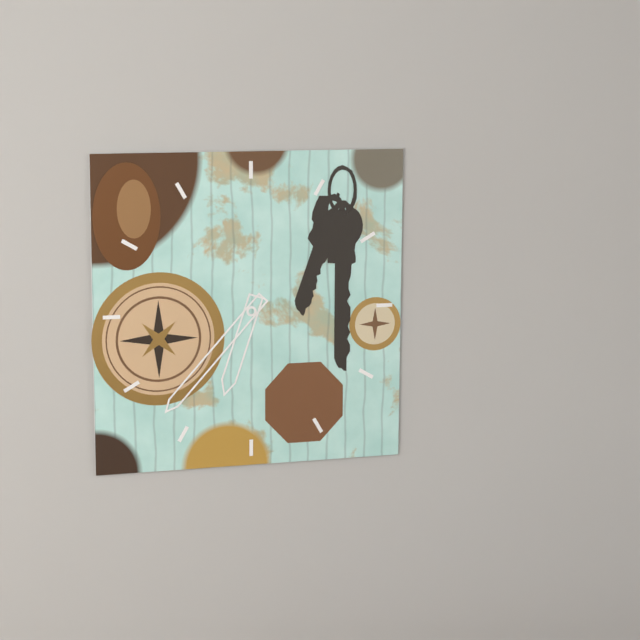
**6:37**
